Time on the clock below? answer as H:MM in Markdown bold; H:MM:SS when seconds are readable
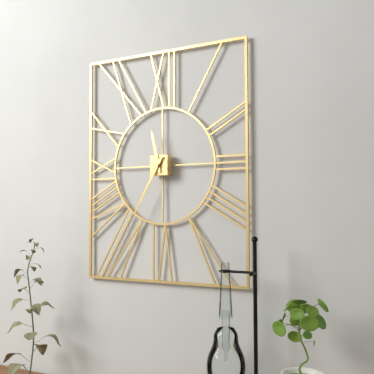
**11:35**
